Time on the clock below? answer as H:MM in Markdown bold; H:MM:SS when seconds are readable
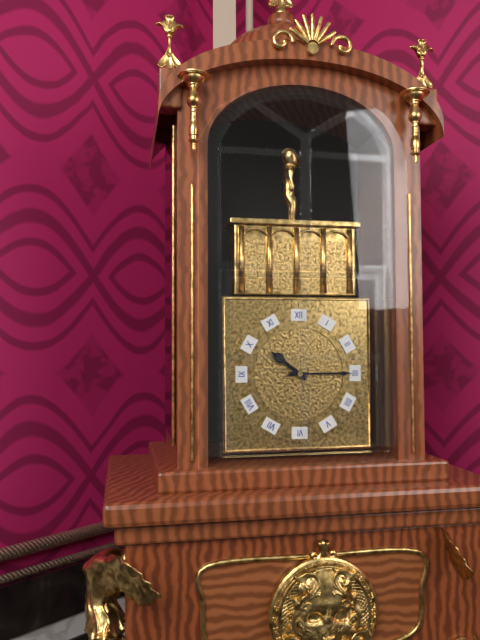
**10:15**
